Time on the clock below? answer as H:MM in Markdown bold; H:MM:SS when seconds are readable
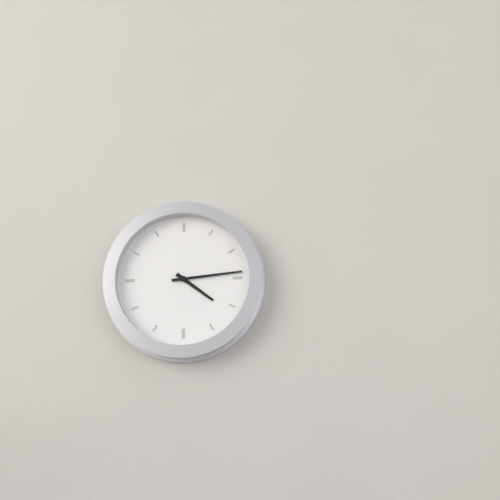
**4:14**
